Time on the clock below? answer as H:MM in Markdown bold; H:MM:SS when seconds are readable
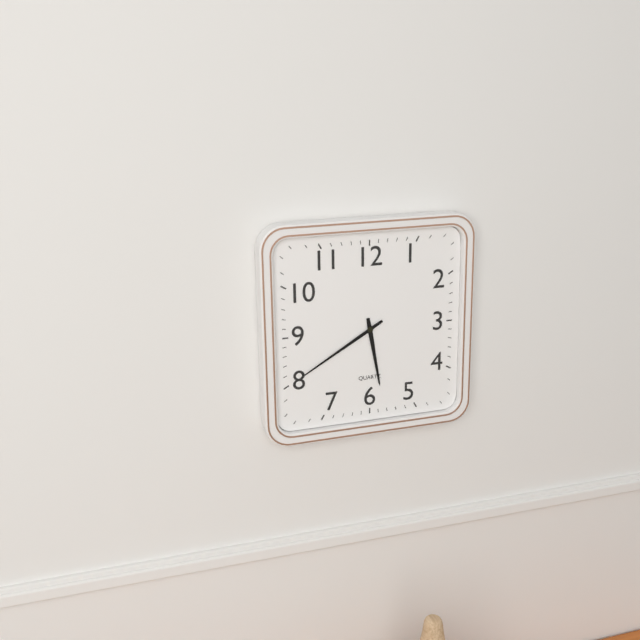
**5:40**
